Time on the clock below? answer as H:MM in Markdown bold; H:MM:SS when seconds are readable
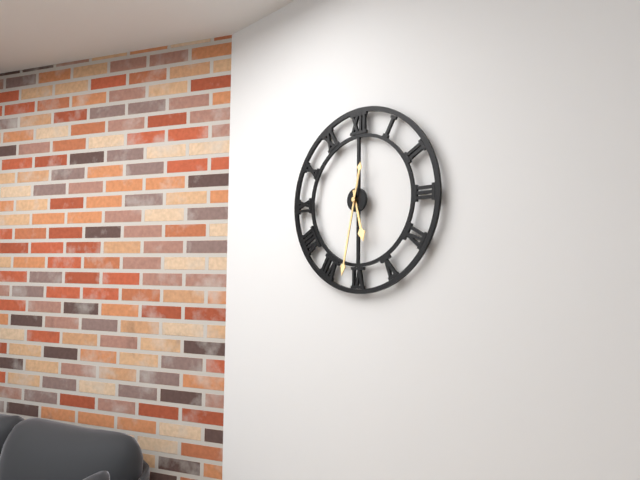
**5:32**
